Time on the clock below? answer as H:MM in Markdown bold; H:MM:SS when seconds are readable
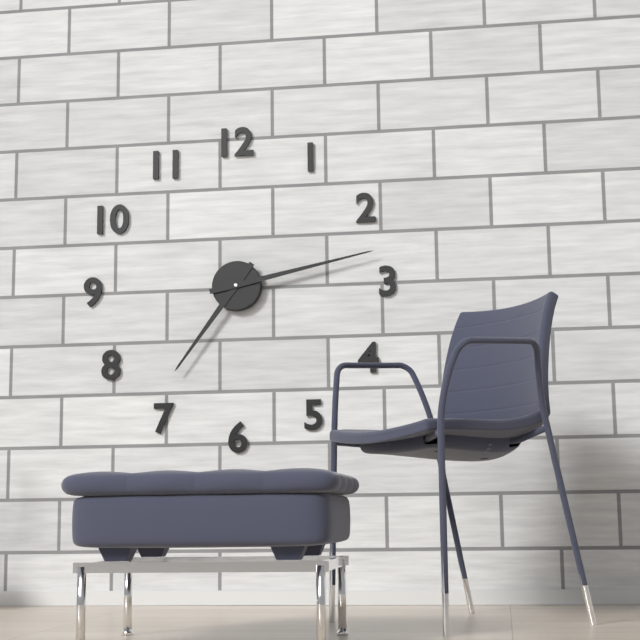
**7:13**
